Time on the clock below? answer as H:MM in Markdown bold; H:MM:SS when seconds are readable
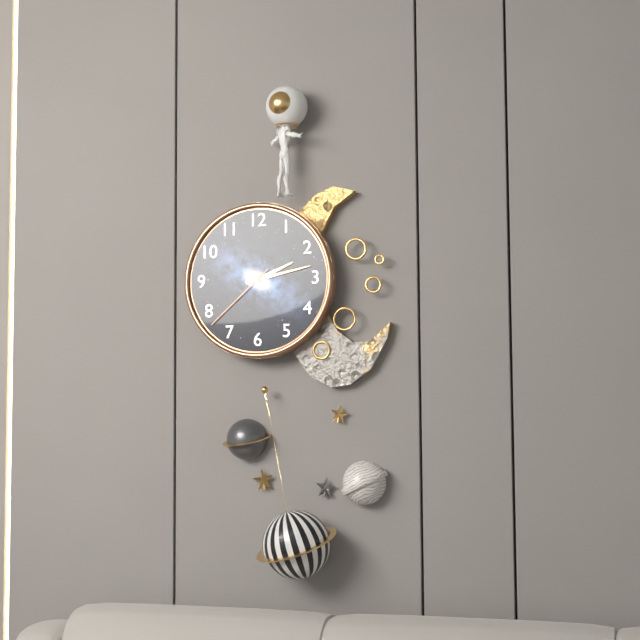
**2:13:38**
